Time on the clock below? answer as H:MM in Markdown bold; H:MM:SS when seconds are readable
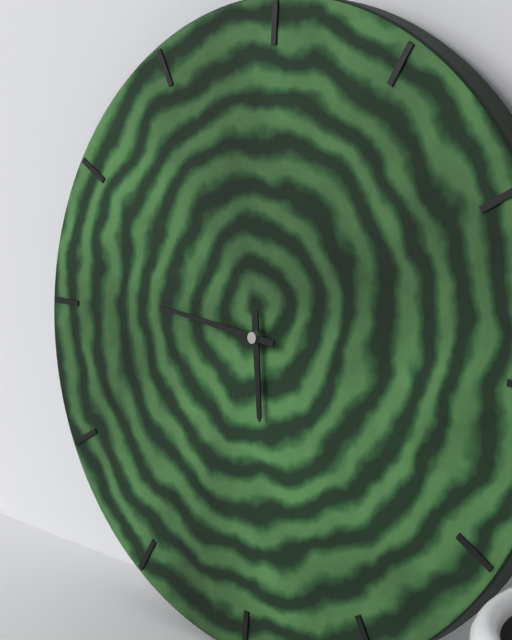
**5:46**
